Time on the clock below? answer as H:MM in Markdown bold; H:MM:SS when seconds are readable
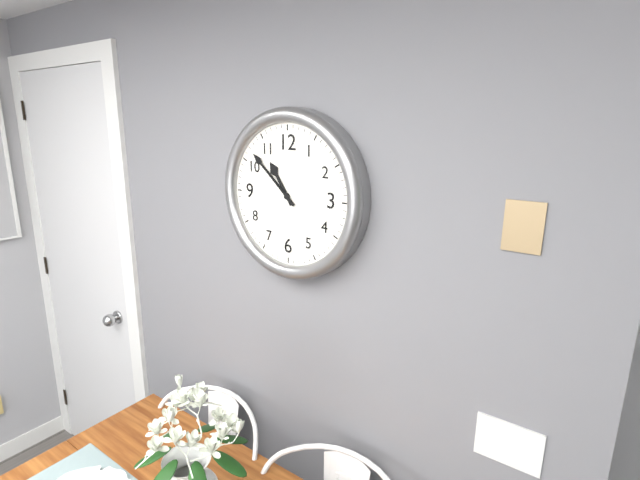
**10:52**
